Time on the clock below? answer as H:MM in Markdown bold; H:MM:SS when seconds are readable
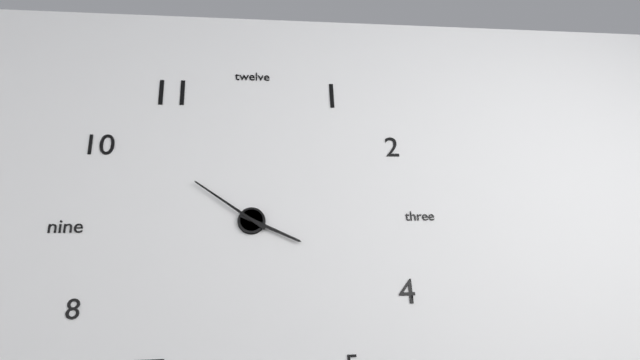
**3:51**
